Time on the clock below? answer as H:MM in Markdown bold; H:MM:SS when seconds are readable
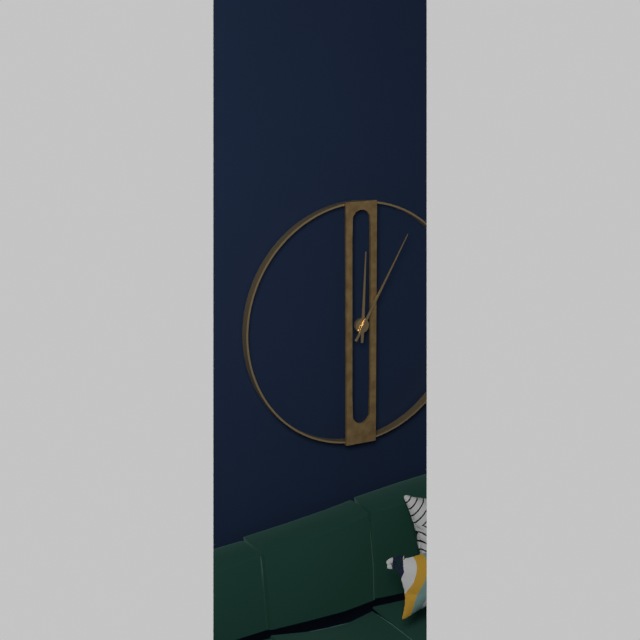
**12:05**
